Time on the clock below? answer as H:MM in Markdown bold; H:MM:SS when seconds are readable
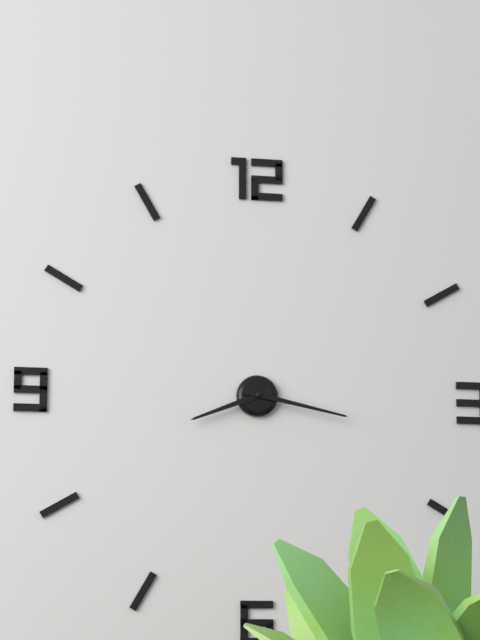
**8:17**
